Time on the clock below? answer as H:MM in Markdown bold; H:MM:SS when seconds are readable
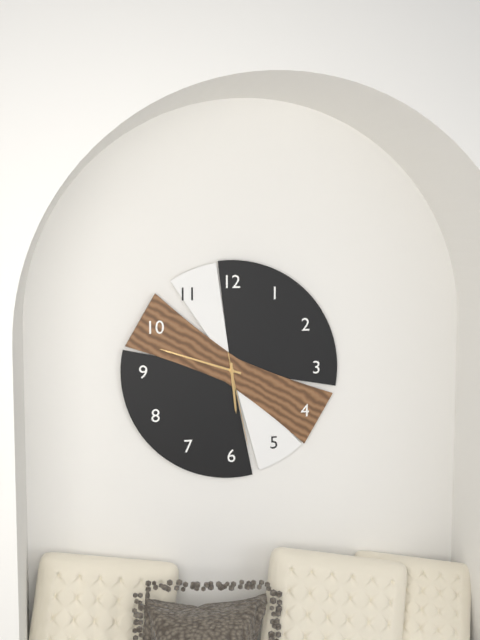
**5:48:28**
